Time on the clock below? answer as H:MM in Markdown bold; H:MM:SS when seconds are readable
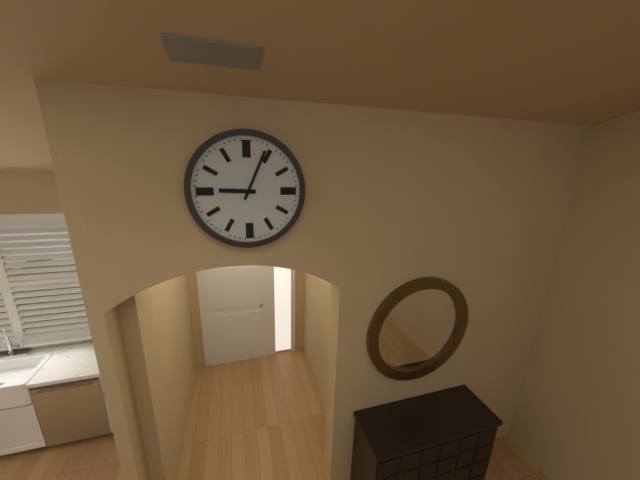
**9:04**
